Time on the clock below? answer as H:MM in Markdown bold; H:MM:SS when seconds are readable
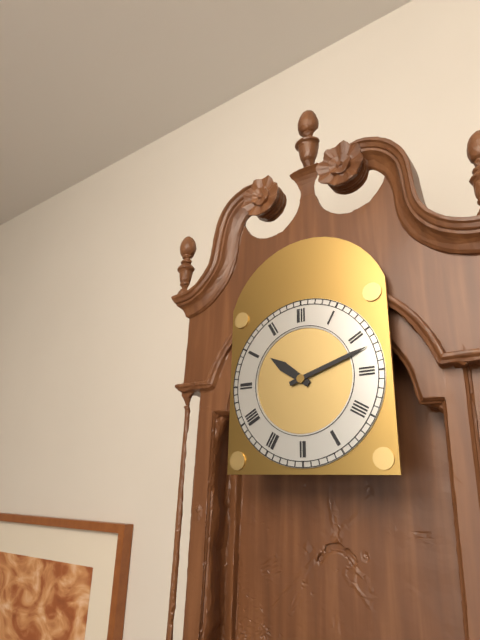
**10:12**
